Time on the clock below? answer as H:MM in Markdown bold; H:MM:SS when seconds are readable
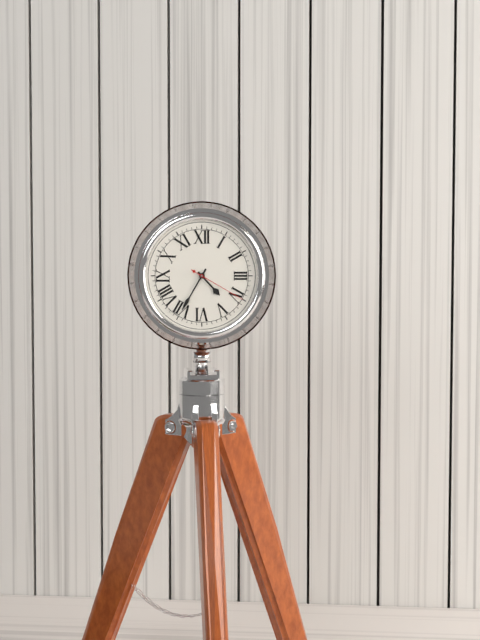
**4:35:20**
